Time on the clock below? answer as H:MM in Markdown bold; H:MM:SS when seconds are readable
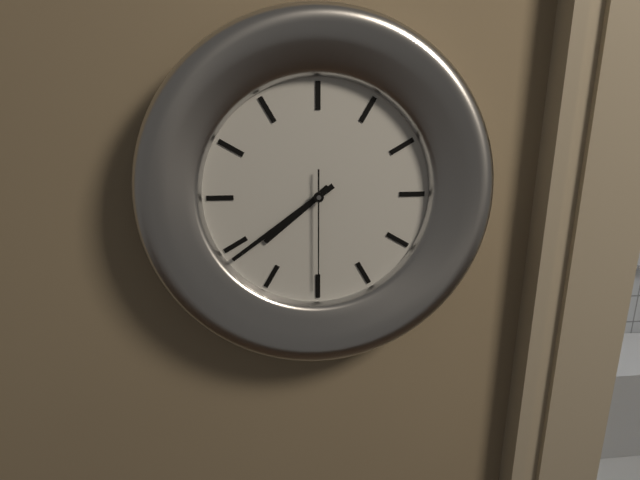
**7:39:30**
